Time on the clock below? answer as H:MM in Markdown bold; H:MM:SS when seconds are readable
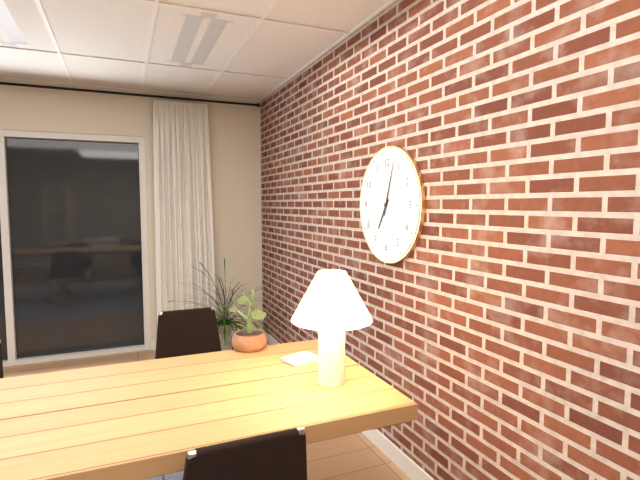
**7:03**
